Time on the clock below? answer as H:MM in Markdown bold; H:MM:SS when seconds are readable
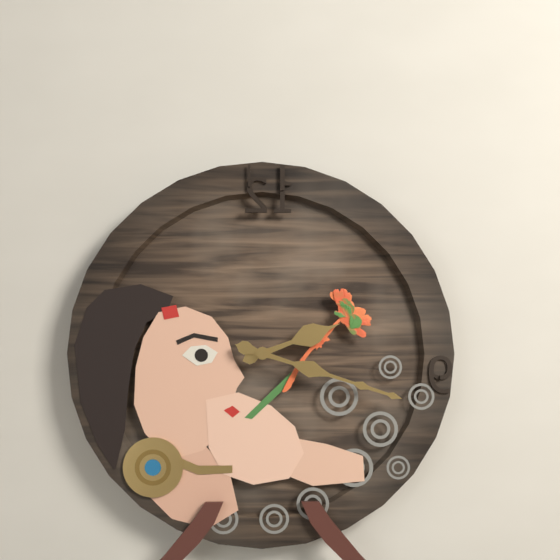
**2:18**
